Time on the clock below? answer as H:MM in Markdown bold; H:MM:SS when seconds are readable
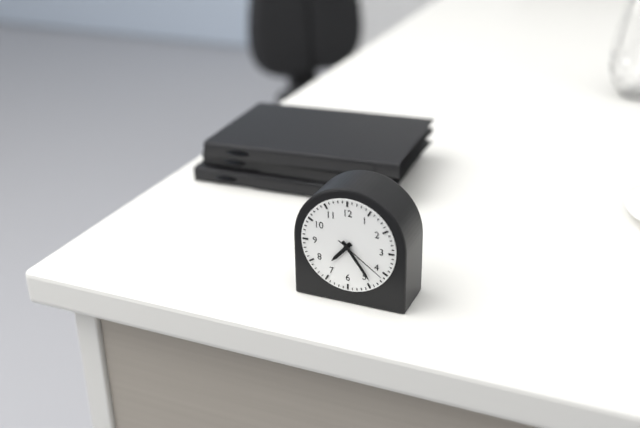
**7:24:21**
